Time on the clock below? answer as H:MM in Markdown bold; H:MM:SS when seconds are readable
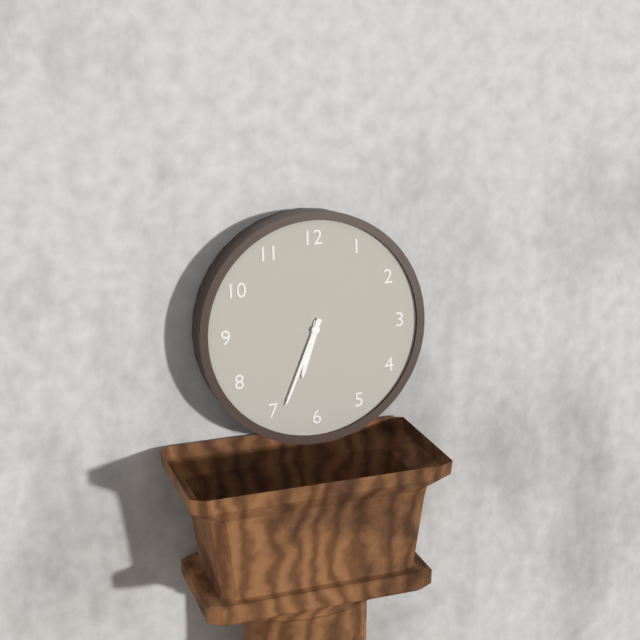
**6:34**
